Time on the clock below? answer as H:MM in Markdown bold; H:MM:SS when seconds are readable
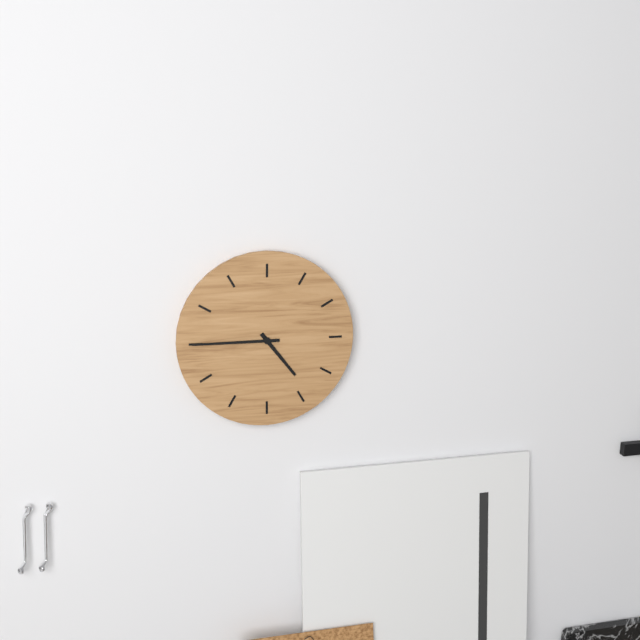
**4:45**
